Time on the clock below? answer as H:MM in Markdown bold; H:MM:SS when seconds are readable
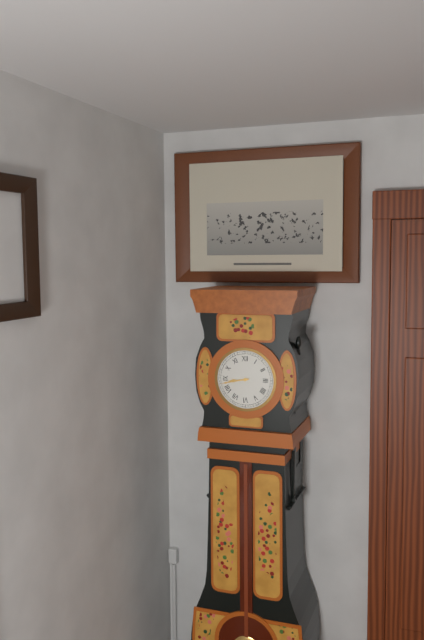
**8:43**
